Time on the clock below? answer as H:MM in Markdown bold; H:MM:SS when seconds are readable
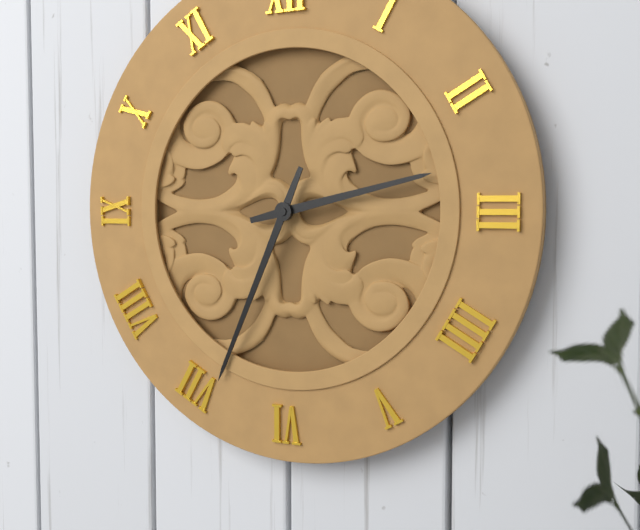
**2:34**
